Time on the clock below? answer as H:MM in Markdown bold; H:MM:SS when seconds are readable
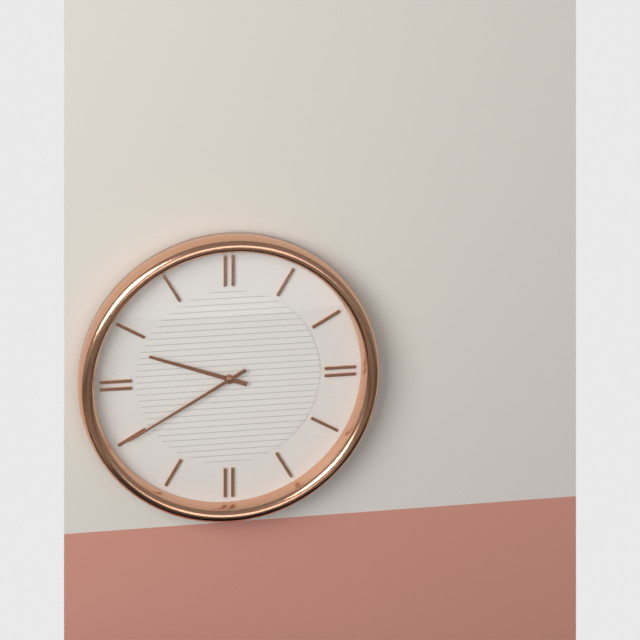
**9:40**
